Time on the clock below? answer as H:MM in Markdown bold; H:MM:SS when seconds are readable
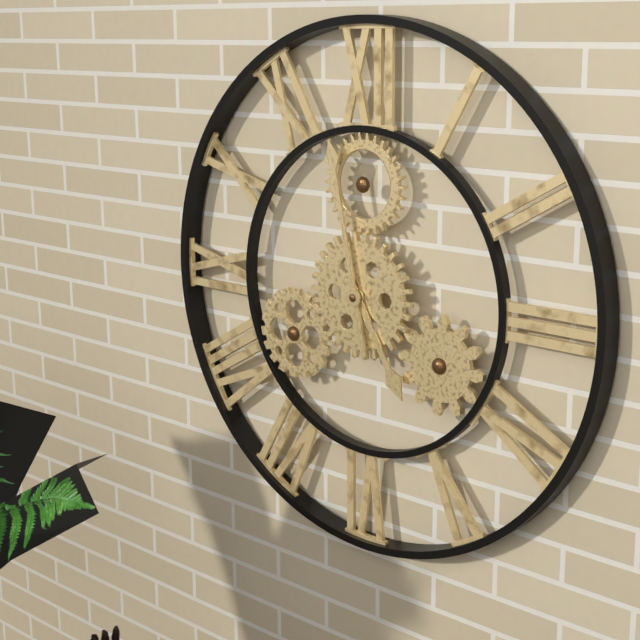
**4:58**
